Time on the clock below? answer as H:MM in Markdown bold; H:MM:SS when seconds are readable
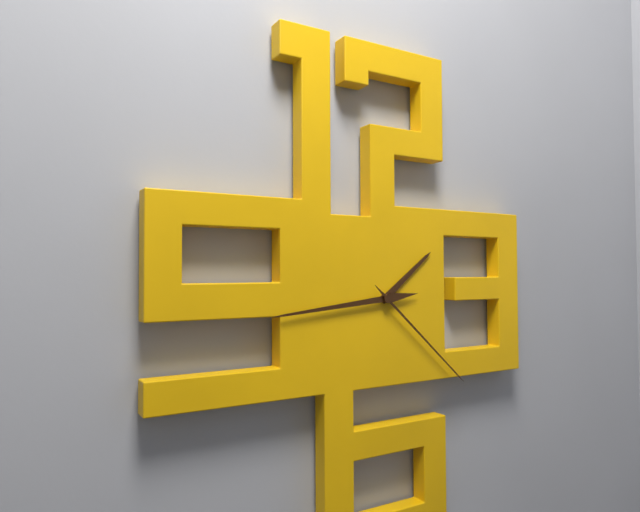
**1:44:22**
